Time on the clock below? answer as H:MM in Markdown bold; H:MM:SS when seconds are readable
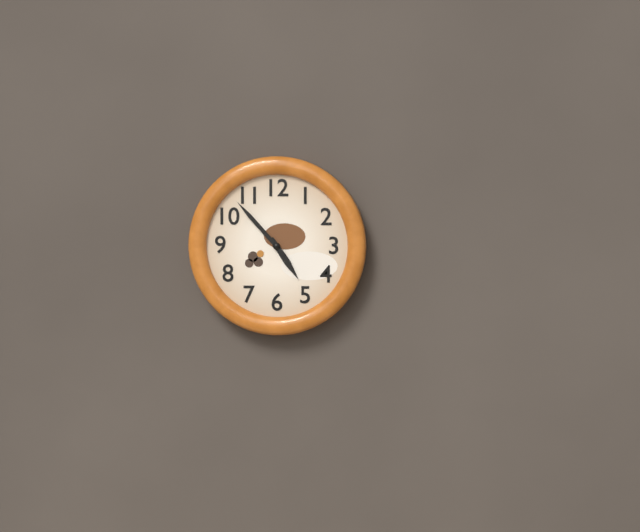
**4:53**
